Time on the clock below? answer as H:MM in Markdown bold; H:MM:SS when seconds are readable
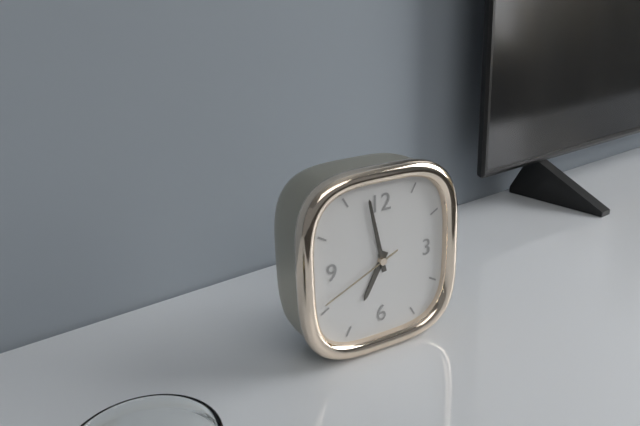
**6:58:41**
